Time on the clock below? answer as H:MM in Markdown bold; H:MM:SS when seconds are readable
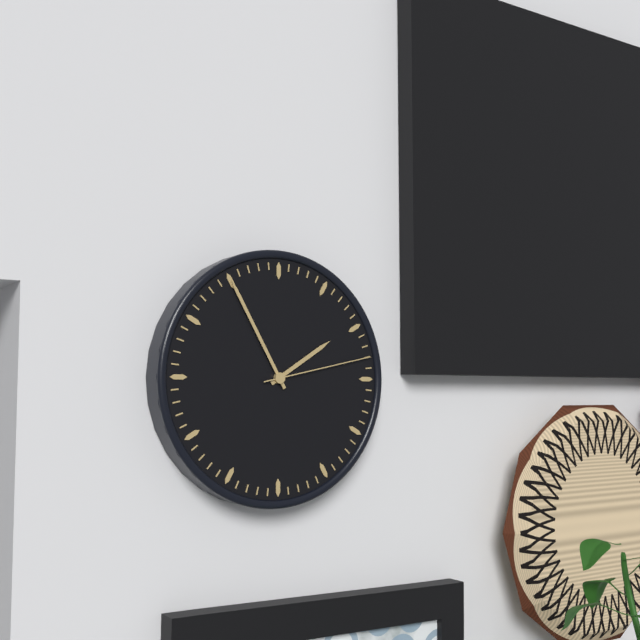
**1:55:13**
